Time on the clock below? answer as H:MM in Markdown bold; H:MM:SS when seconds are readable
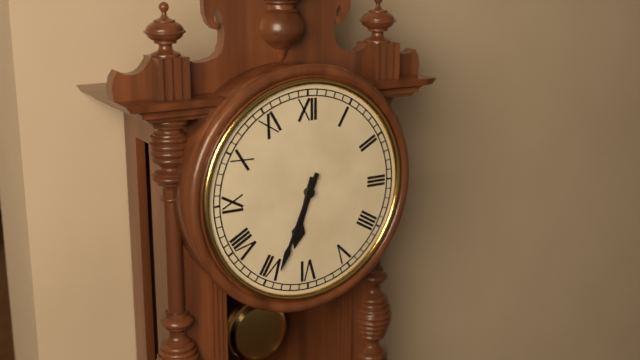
**6:34**
